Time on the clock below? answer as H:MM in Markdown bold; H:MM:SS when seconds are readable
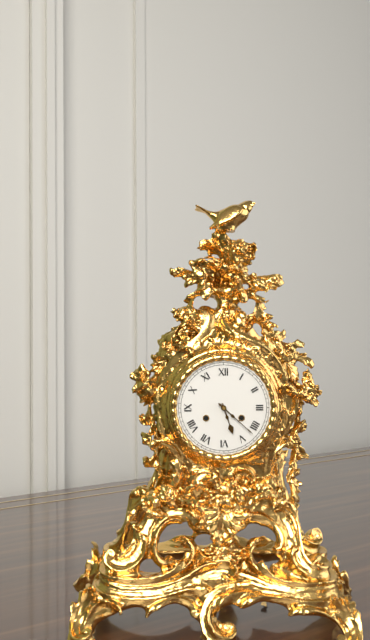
**5:22**
